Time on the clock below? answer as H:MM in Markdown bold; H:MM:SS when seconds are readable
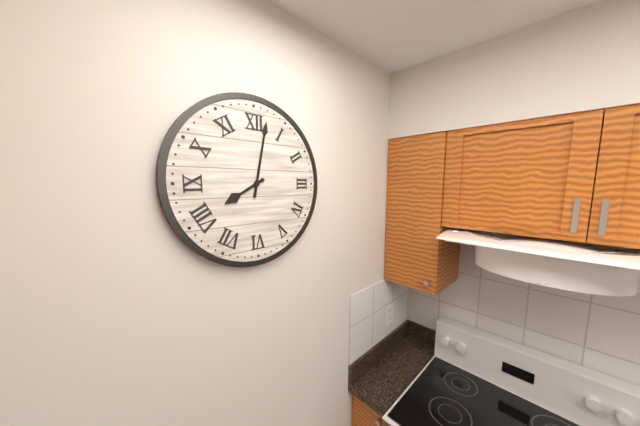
**8:02**
